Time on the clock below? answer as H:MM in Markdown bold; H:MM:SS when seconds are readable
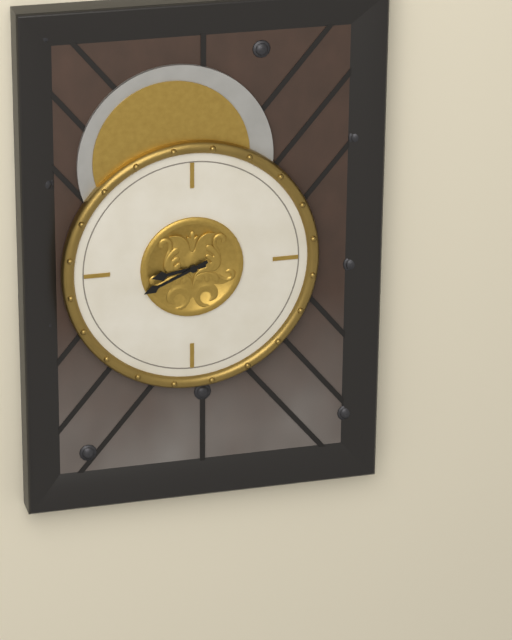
**8:41**
